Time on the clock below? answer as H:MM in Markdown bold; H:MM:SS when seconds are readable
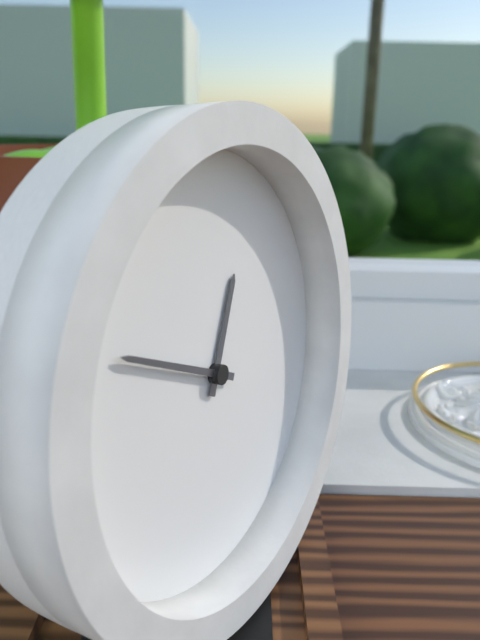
**12:49**
